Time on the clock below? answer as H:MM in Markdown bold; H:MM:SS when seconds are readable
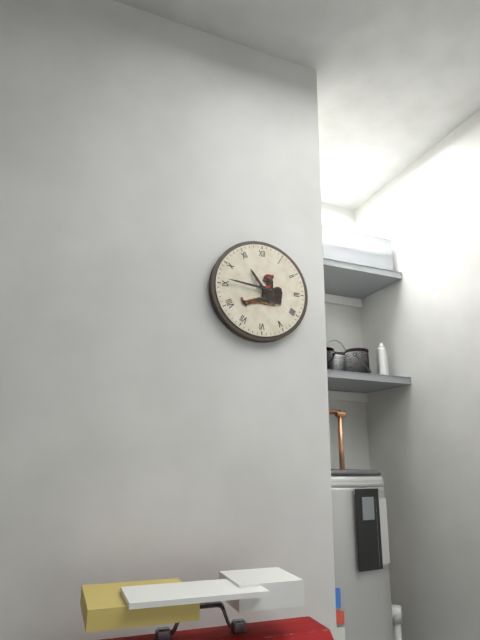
**10:46**
